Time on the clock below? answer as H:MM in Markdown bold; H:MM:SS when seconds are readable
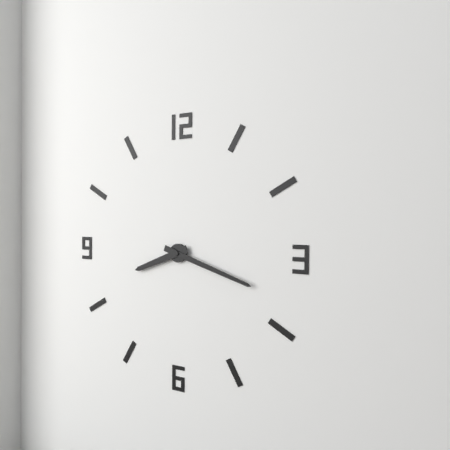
**8:18**
